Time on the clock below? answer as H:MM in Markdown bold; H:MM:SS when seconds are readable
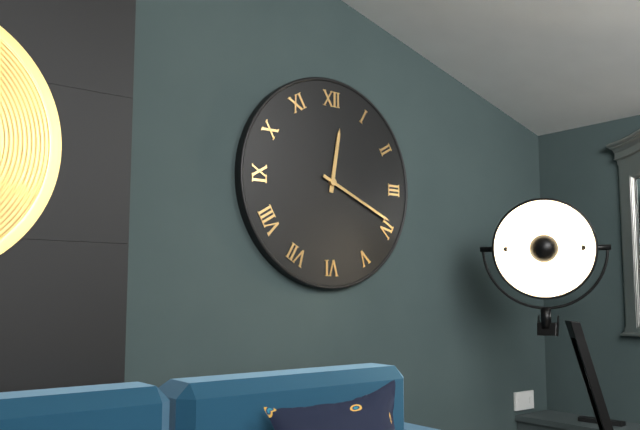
**12:19**
